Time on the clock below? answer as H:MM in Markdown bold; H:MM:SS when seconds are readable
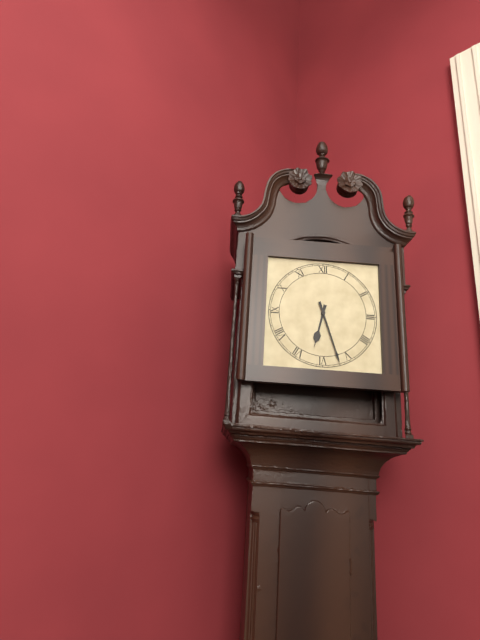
**6:27**
